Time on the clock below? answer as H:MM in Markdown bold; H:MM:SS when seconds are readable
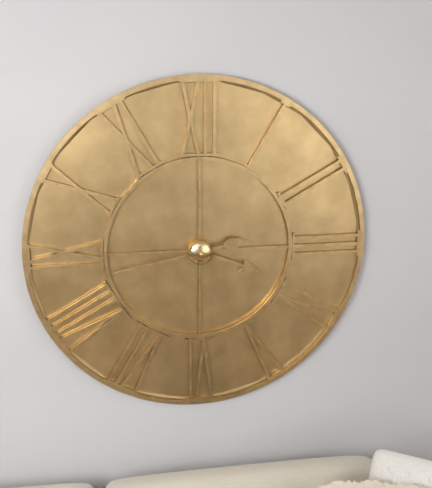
**3:43**
